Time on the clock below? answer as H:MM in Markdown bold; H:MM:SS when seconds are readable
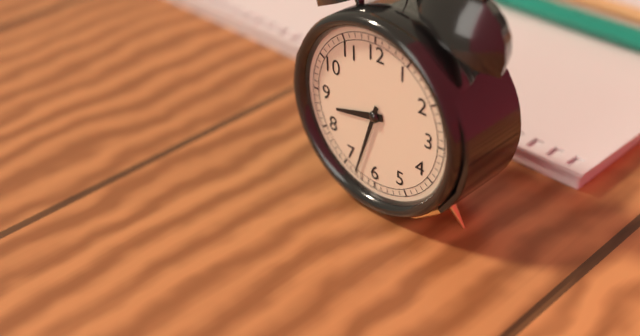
**8:33**
